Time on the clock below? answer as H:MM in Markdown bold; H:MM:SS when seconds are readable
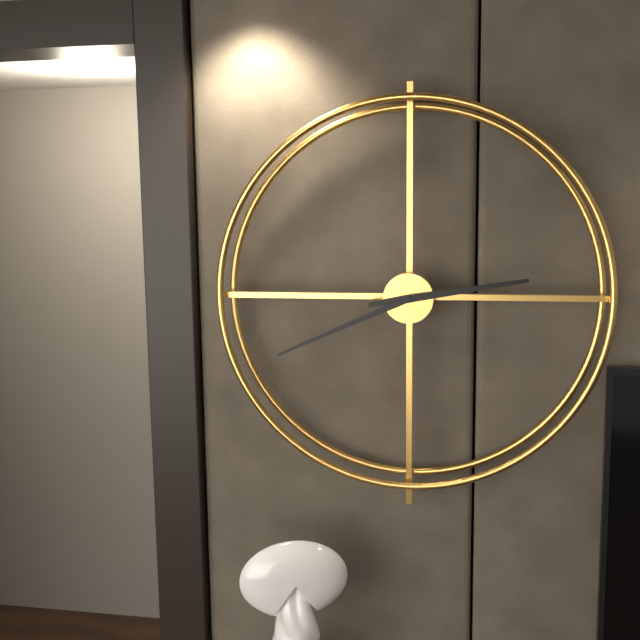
**2:41**
